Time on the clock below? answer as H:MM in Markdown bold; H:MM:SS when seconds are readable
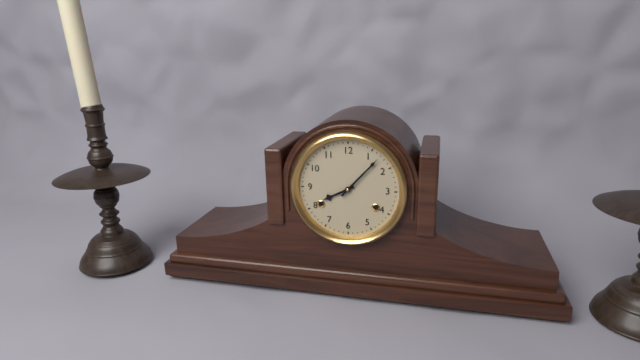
**8:07**
